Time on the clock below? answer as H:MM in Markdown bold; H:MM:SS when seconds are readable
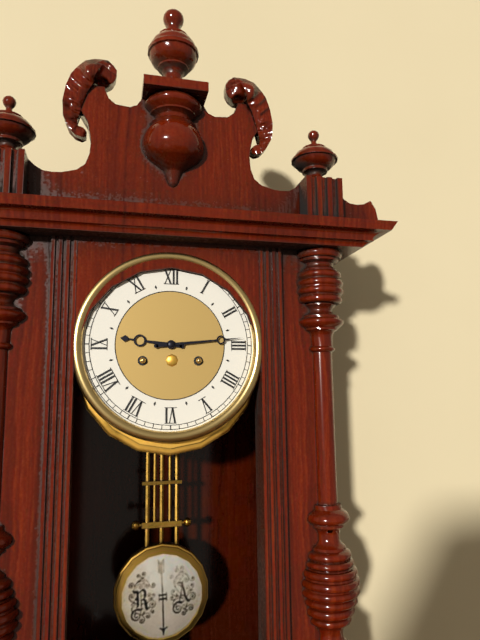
**9:14**
